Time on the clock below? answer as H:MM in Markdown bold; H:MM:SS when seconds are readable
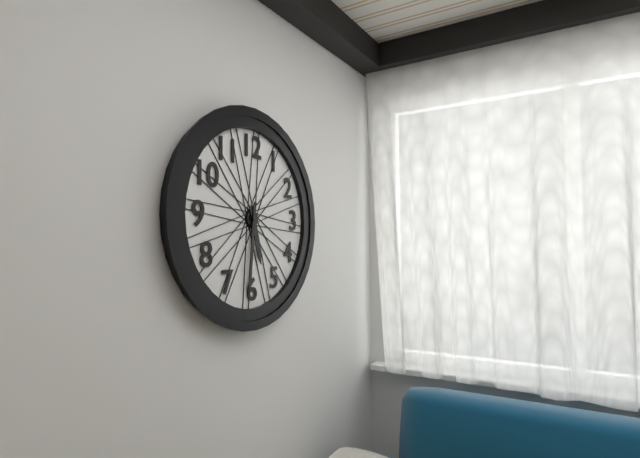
**5:31**
